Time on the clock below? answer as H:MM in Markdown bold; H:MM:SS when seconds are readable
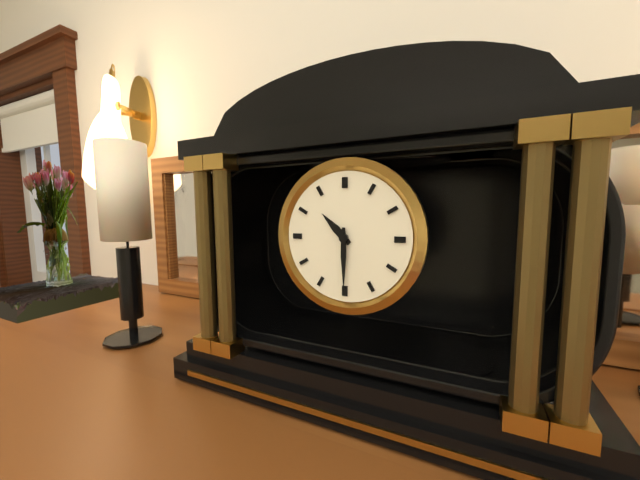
**10:30**
